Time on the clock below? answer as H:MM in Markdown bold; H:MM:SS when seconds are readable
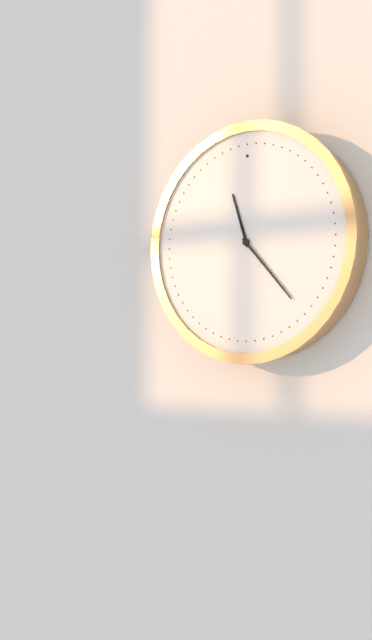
**11:23**
